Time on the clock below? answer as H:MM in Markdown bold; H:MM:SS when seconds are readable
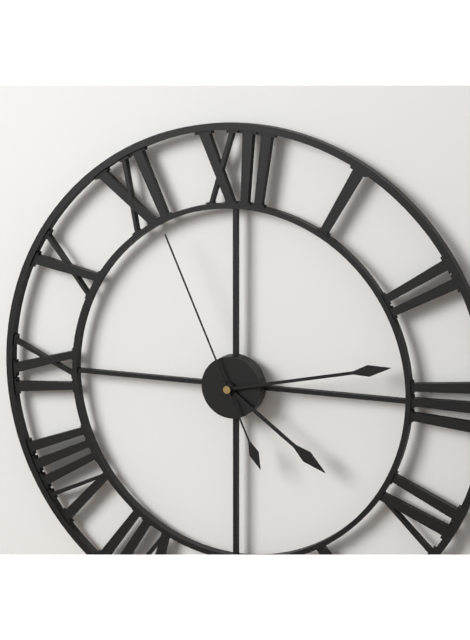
**4:13:56**
